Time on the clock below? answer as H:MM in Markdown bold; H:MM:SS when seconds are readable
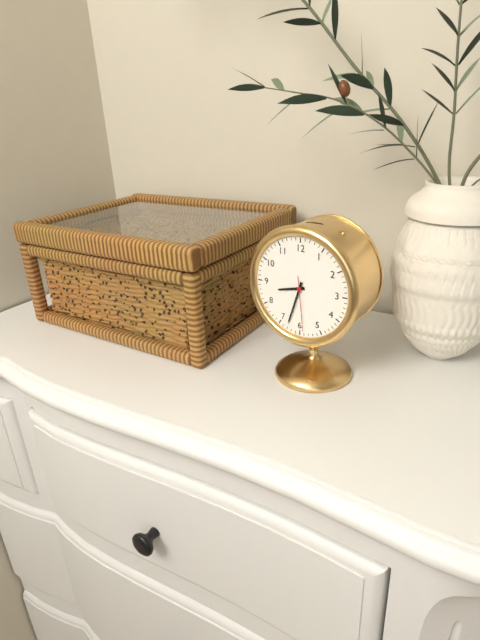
**8:33:29**
